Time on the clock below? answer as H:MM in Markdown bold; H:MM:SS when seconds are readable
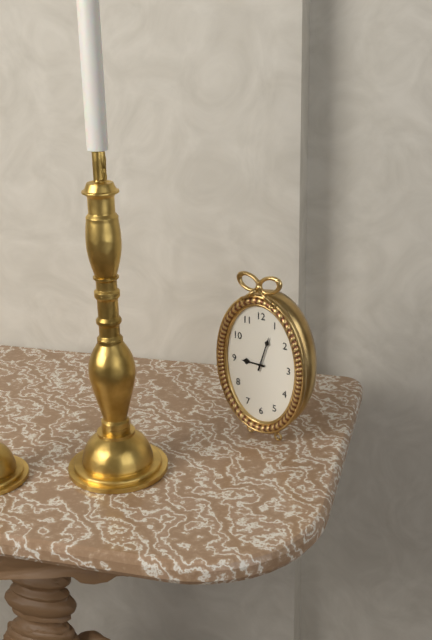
**9:03**
